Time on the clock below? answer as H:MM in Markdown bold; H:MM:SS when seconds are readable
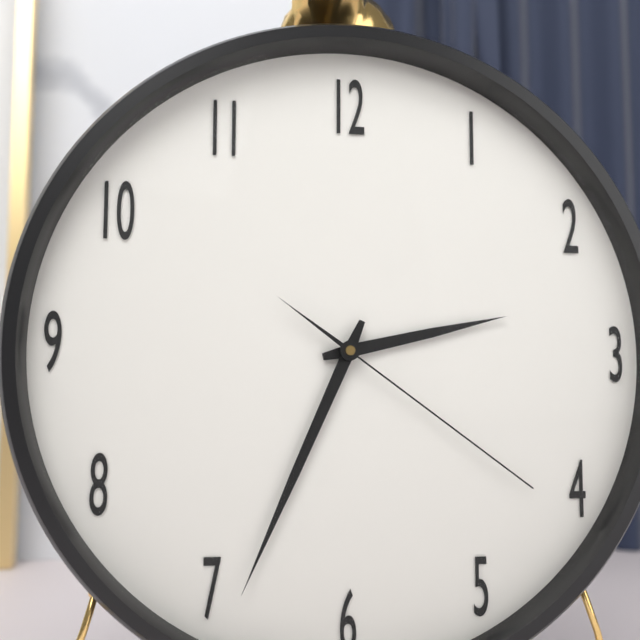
**2:34:21**
